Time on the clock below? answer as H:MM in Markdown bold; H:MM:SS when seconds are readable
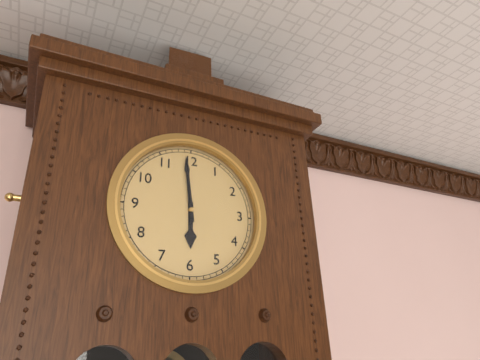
**5:59**
